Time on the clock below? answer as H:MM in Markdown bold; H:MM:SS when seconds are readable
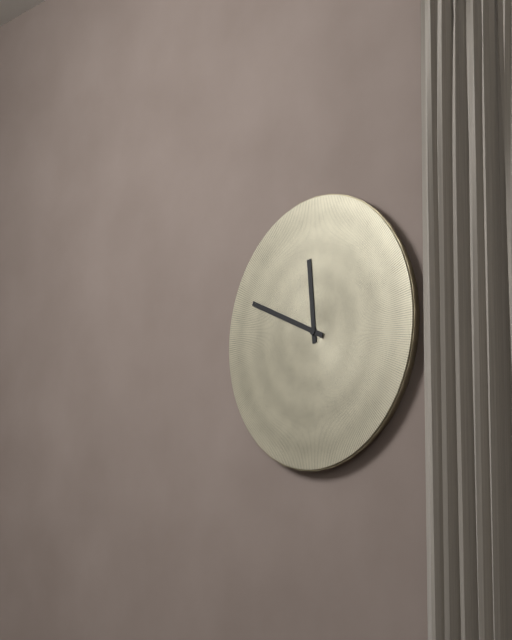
**11:49**
